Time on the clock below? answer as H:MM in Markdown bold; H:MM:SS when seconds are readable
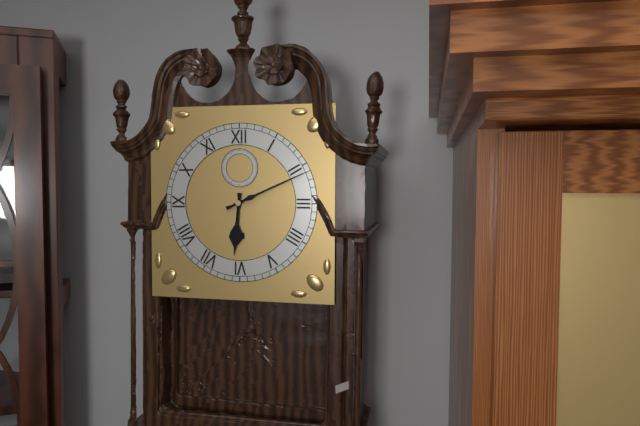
**6:11**
